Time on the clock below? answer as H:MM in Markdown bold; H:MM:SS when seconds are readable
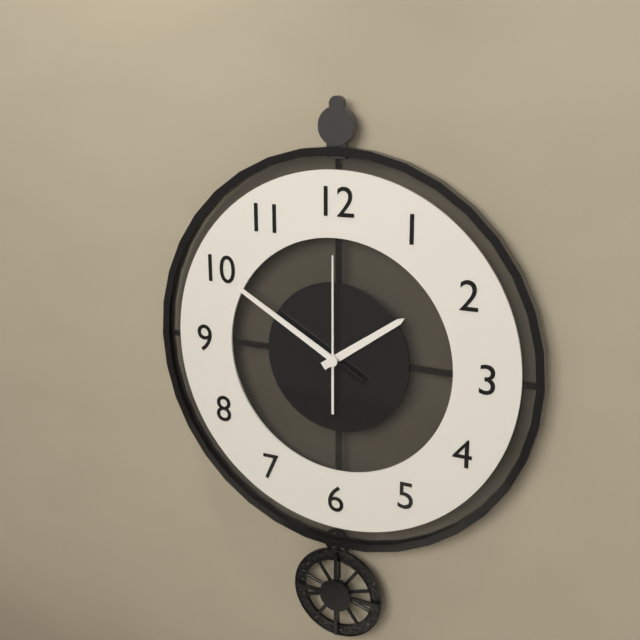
**1:50:00**
